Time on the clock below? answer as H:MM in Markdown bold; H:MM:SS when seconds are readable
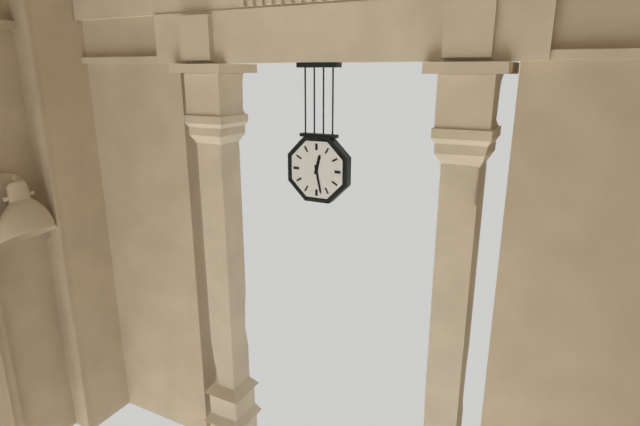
**12:28**
